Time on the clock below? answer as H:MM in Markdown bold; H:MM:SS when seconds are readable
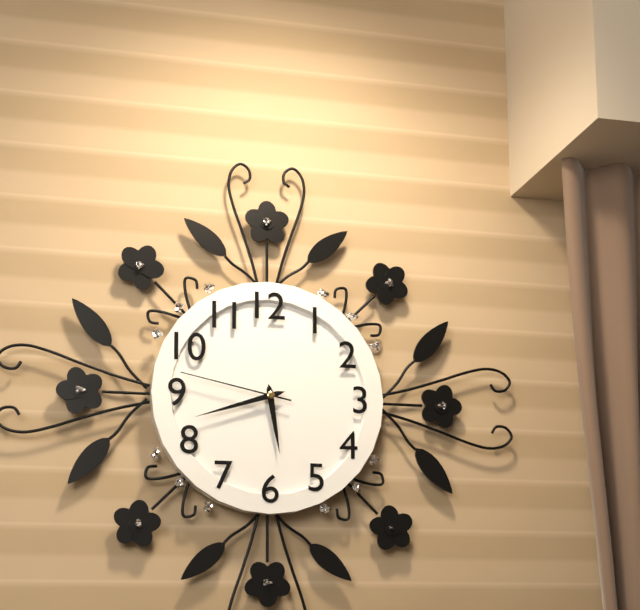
**5:42:47**
